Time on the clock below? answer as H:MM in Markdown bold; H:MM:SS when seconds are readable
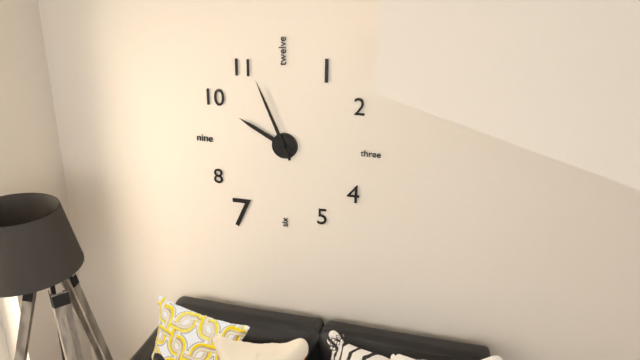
**9:56**
